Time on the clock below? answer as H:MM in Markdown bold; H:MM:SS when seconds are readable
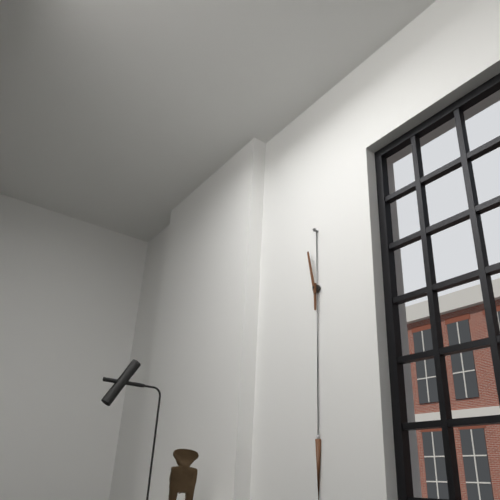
**5:58**
